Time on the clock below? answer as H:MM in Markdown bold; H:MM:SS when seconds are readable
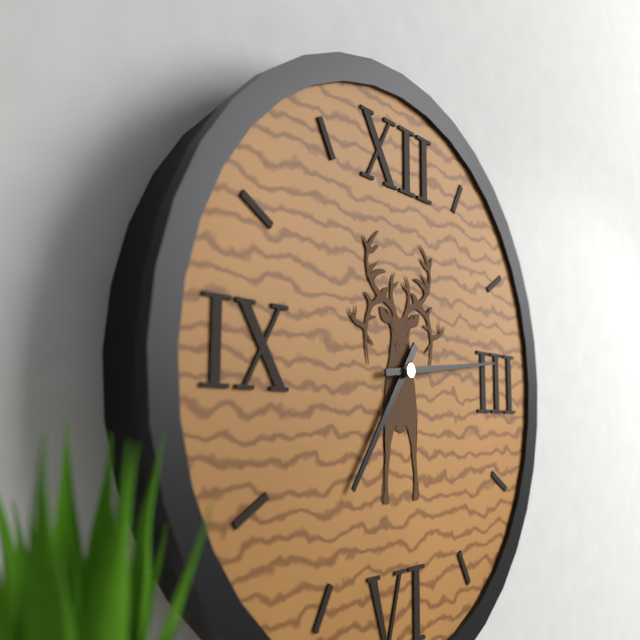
**7:14**
